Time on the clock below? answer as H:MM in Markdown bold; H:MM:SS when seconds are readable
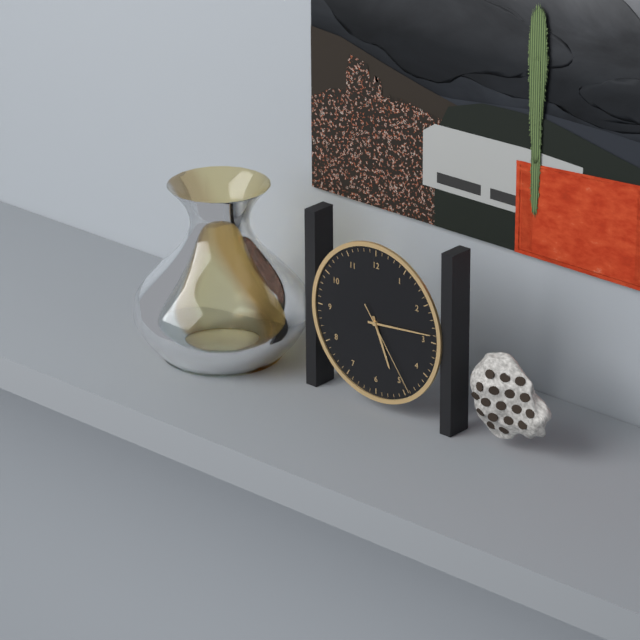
**5:14:24**
